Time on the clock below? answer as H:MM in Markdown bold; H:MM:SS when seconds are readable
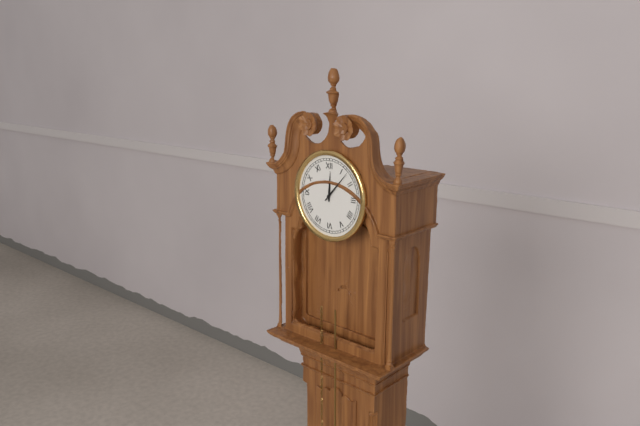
**12:07**
